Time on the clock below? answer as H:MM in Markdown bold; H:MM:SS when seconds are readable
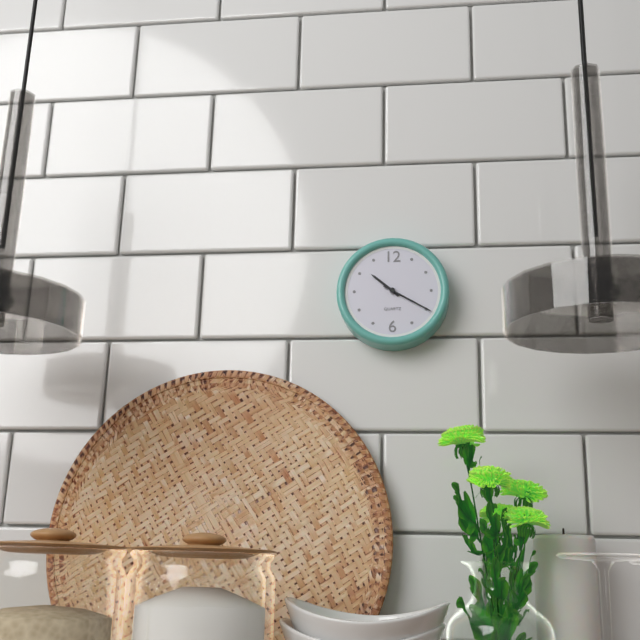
**10:20**
